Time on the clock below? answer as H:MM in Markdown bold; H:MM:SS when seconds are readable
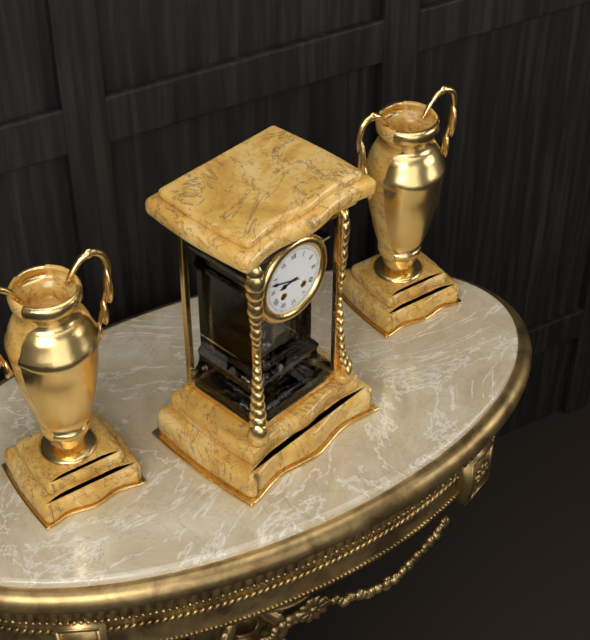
**8:48**
